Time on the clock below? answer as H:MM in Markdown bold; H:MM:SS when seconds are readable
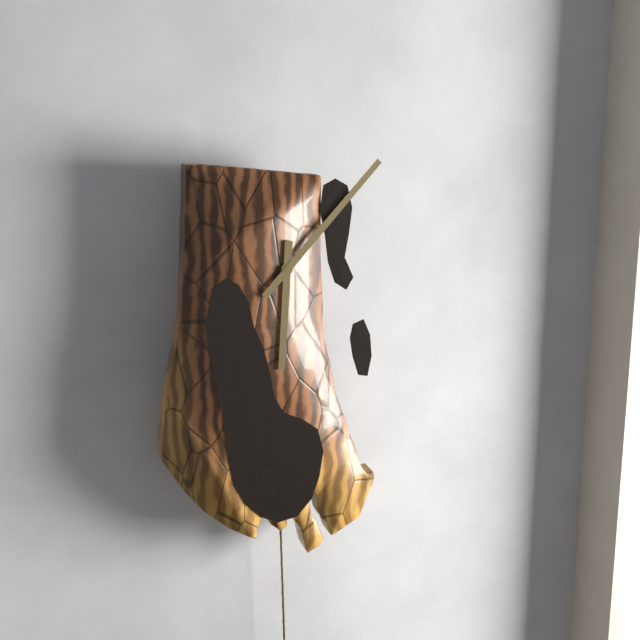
**6:07**
